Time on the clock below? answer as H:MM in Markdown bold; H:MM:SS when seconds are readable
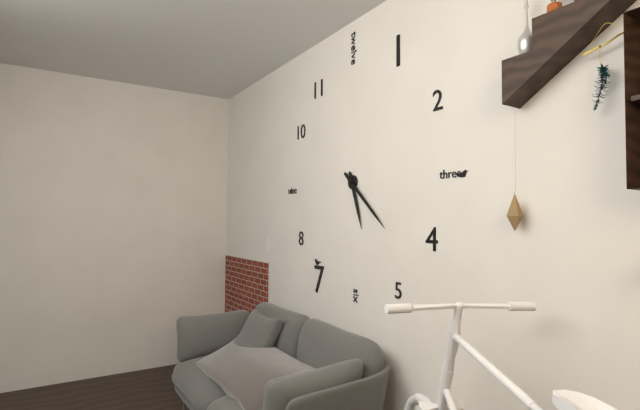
**5:22**
